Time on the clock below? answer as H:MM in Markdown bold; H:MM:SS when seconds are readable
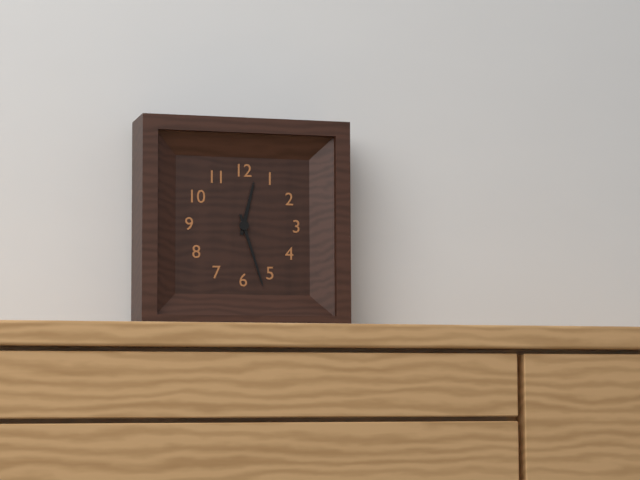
**12:27**
